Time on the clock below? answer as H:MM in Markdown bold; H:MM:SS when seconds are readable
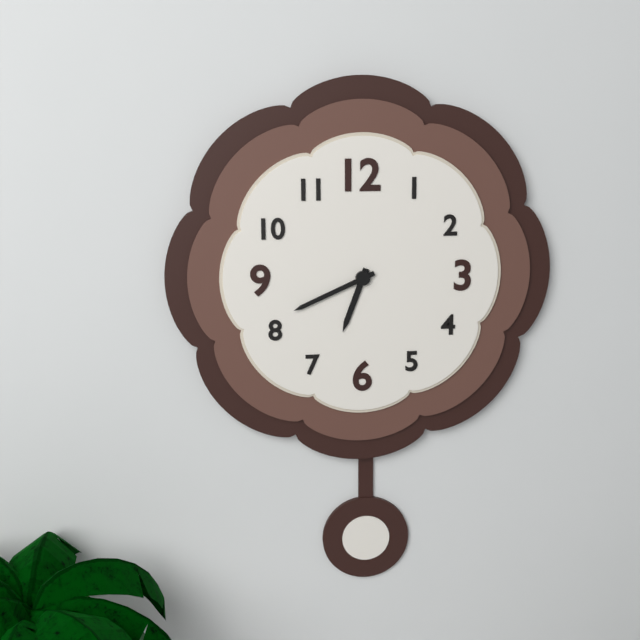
**6:41**
